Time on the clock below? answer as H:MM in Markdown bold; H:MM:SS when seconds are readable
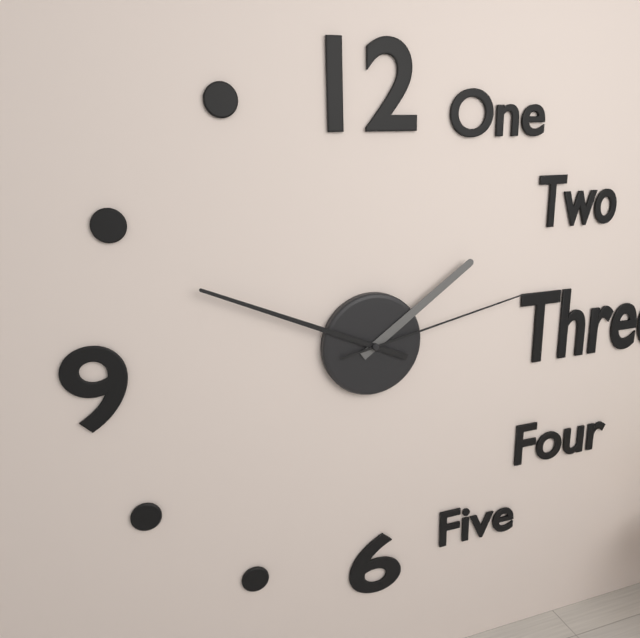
**1:49:13**
